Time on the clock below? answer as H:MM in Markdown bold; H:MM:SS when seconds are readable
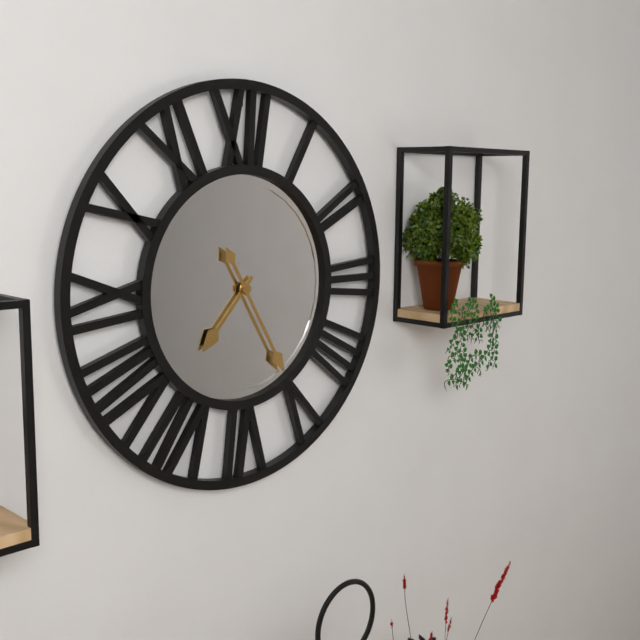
**7:25**
